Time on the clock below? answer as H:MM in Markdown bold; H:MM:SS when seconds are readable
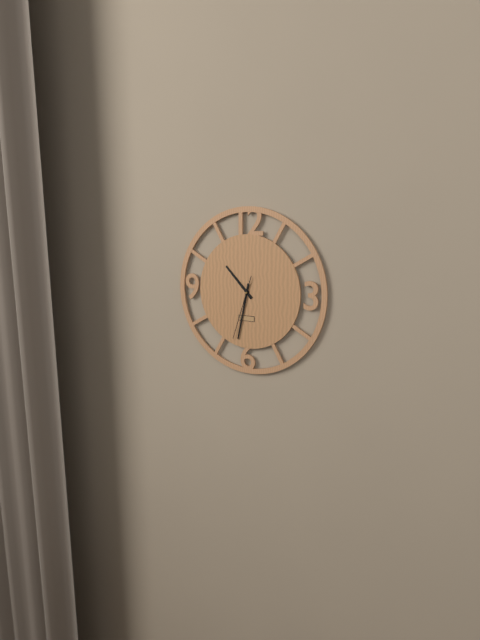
**10:32:33**
